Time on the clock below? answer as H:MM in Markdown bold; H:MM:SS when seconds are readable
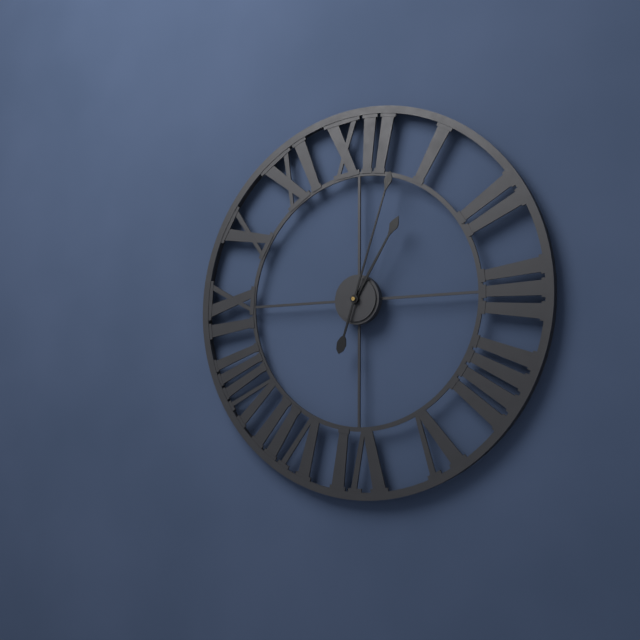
**1:03**
